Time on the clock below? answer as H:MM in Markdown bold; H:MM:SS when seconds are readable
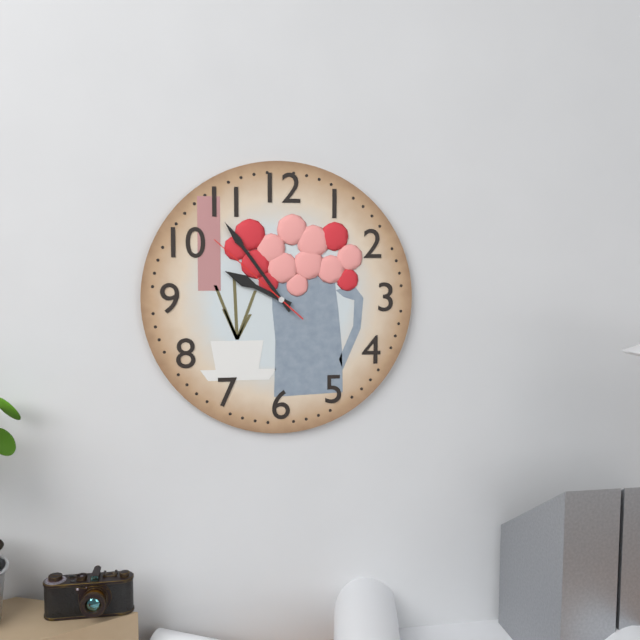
**9:54:52**
